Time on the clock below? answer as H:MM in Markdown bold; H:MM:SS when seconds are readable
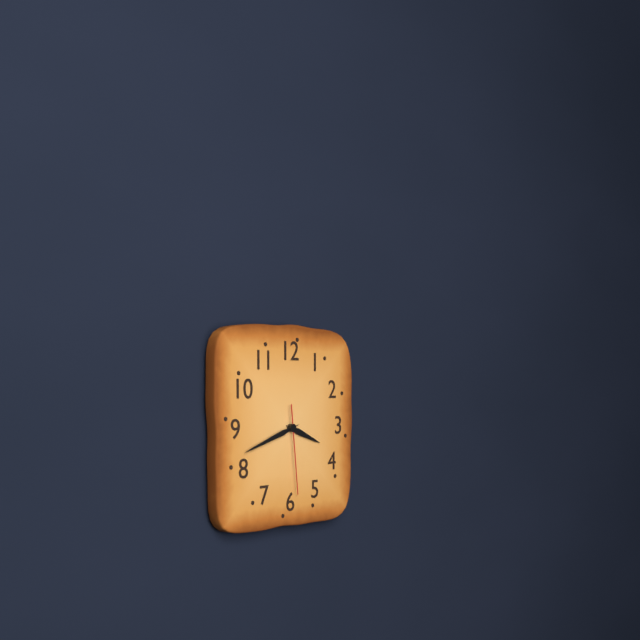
**3:42:29**
